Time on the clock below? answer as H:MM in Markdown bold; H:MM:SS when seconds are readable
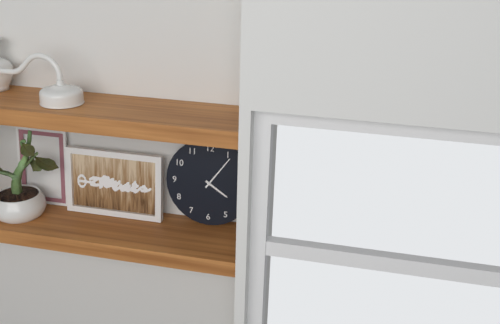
**4:06**
